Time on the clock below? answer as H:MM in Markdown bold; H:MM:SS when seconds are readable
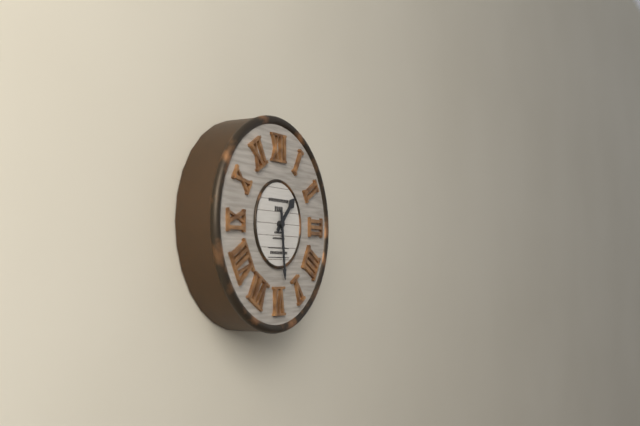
**1:29**
